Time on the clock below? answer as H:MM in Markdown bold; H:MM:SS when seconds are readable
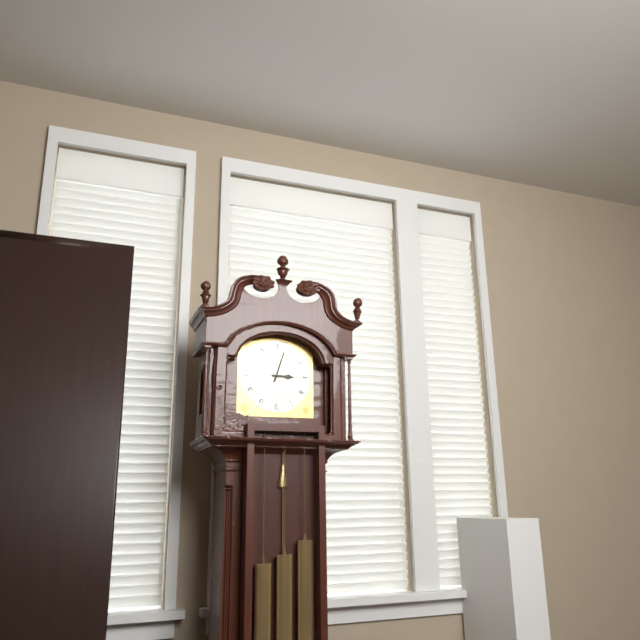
**3:03**
